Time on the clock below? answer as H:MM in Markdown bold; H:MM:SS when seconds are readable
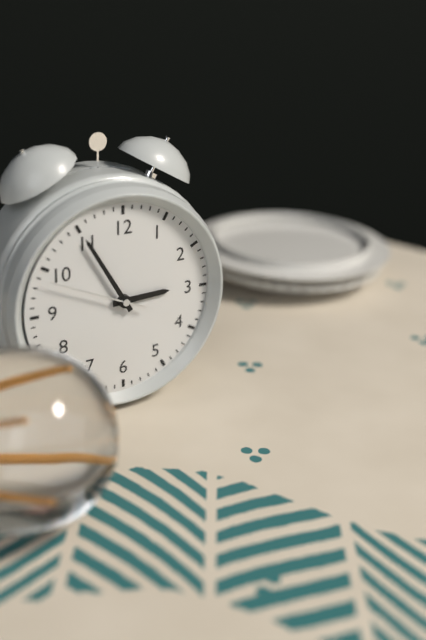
**2:55:49**
